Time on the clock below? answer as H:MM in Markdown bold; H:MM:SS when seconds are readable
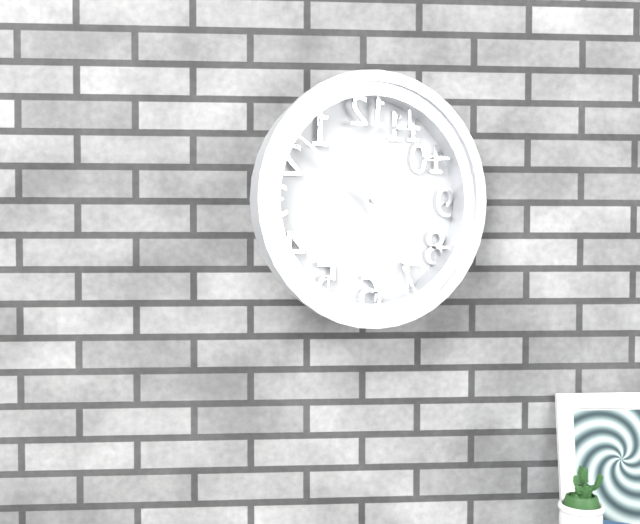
**4:51**
